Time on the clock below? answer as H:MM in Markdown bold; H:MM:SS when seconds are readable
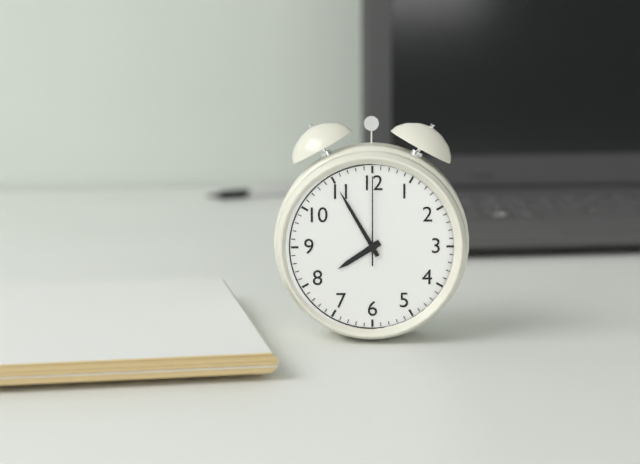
**7:55:00**
